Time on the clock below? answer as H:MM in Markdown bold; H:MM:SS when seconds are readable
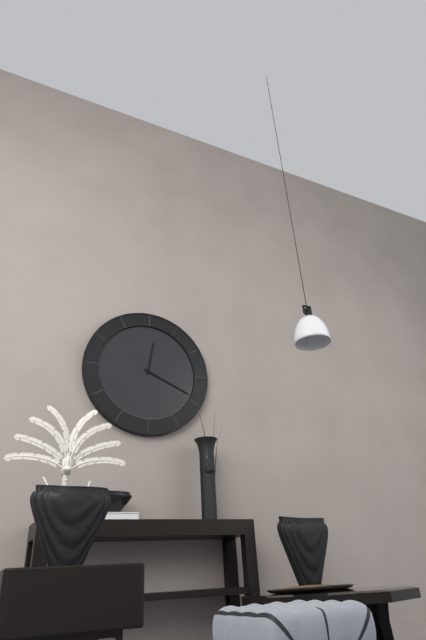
**12:19**
